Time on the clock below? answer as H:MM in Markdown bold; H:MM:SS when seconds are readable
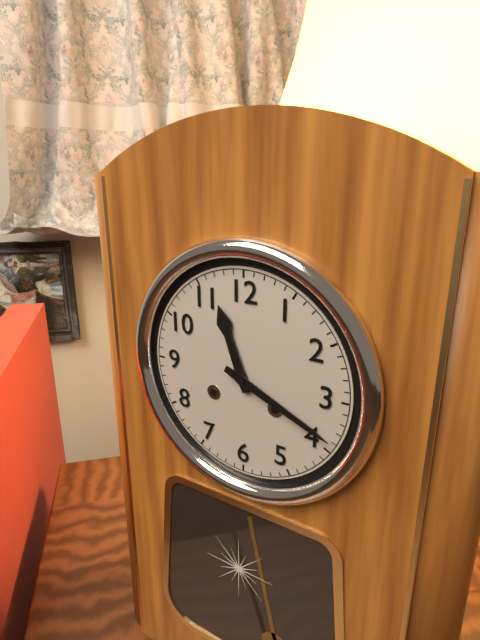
**11:19**
